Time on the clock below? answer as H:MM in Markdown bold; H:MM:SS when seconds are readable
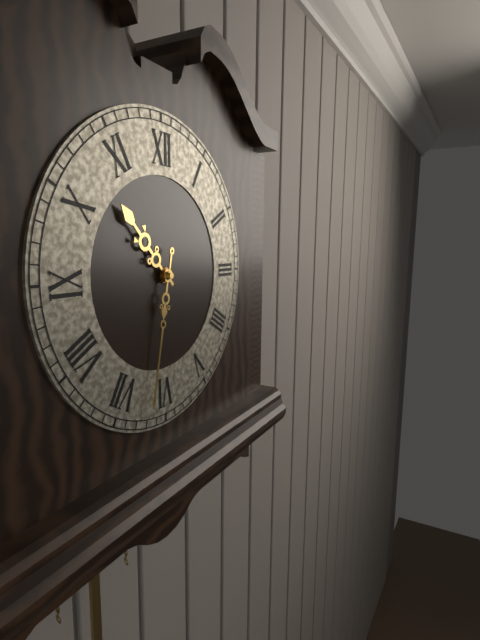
**10:32**
